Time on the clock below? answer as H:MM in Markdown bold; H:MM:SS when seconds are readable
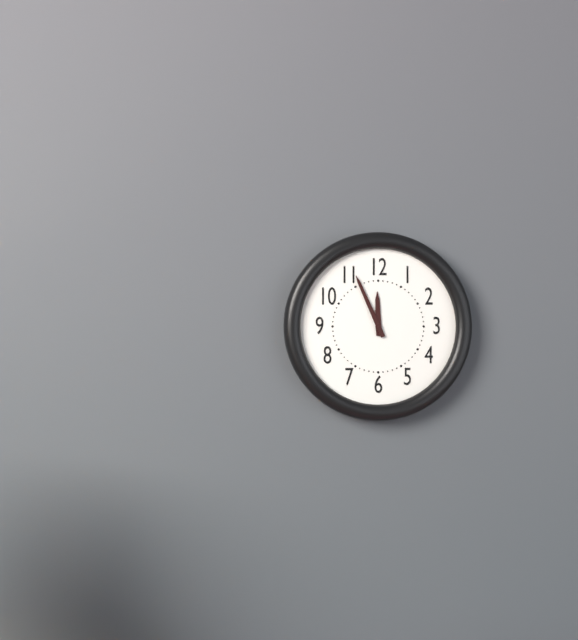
**11:56**
